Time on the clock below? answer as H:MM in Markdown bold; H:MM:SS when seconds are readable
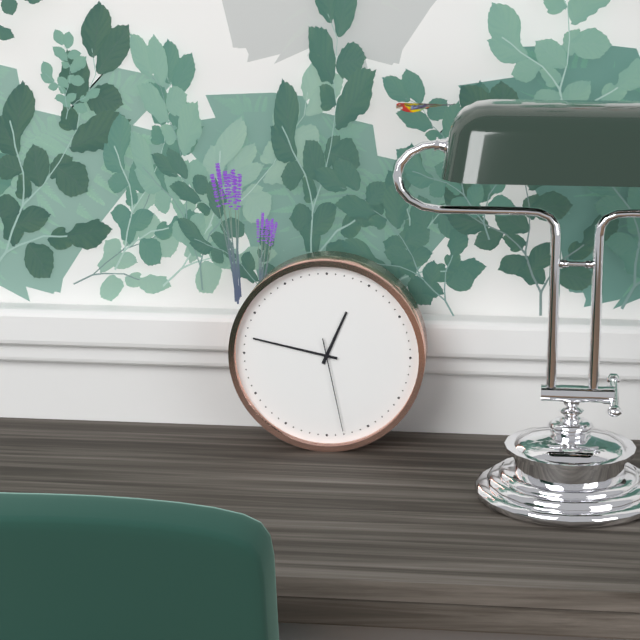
**12:47:28**
